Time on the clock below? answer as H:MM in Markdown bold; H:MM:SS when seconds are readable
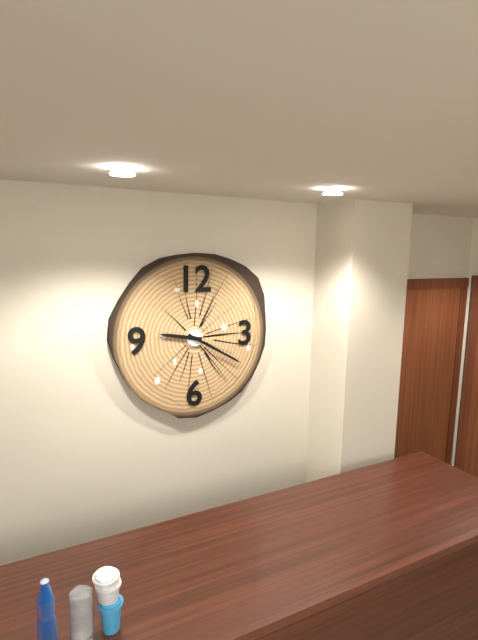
**9:20**
